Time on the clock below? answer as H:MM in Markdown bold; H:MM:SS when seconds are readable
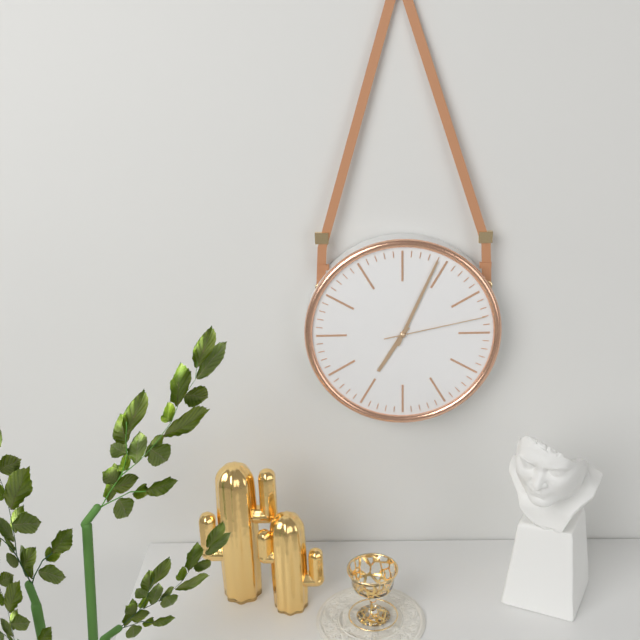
**7:04:13**
